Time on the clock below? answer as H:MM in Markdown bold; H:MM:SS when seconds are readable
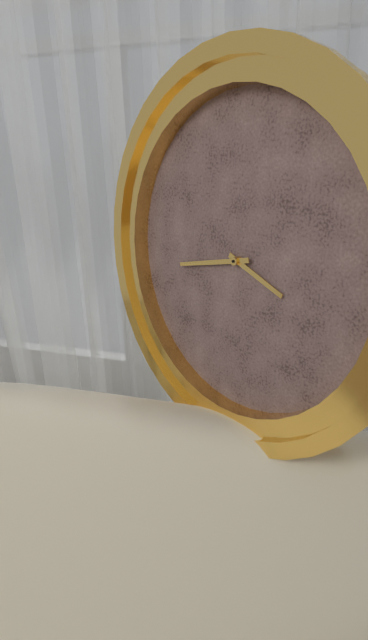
**3:43**
